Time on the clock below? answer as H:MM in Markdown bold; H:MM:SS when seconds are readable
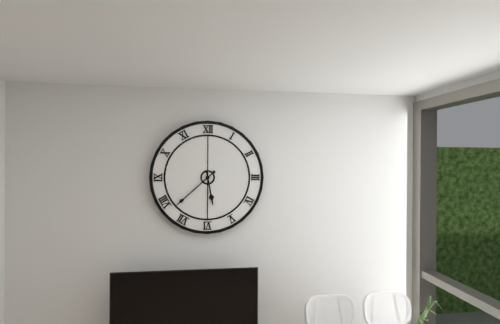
**5:38**
